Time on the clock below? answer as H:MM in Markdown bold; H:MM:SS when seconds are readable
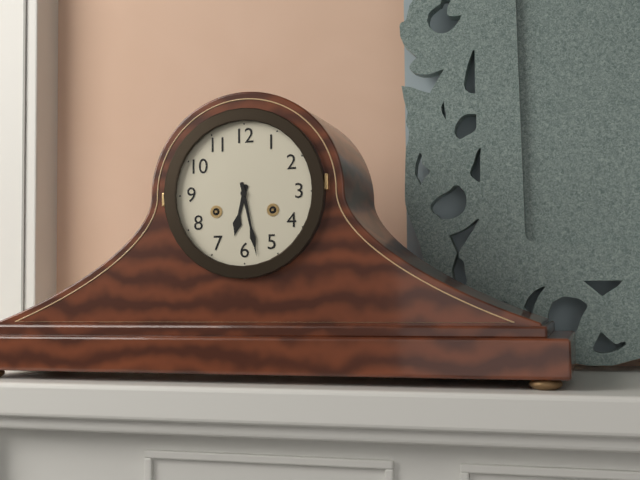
**6:28**
